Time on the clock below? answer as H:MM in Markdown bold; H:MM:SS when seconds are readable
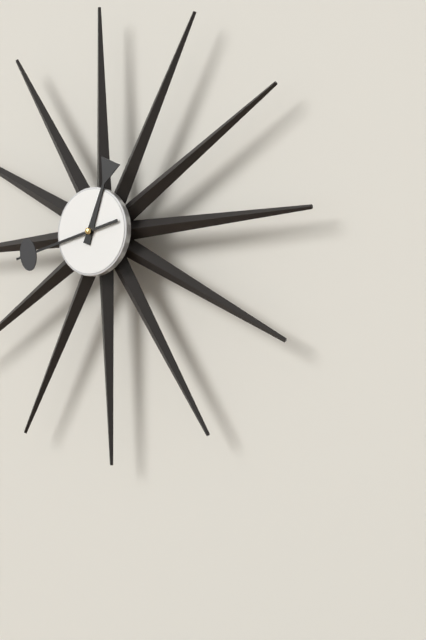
**12:43**
